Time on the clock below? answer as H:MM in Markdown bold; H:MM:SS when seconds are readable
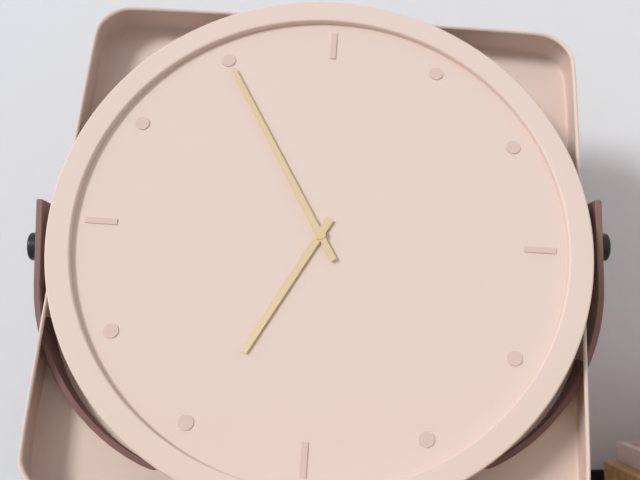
**6:55**
